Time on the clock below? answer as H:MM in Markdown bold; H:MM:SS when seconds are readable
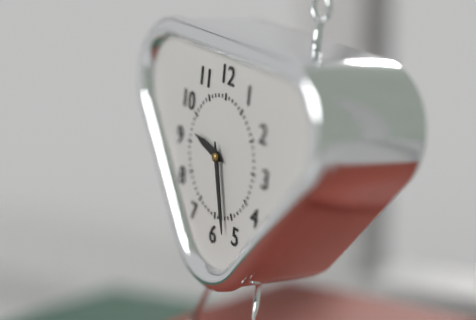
**9:27**
